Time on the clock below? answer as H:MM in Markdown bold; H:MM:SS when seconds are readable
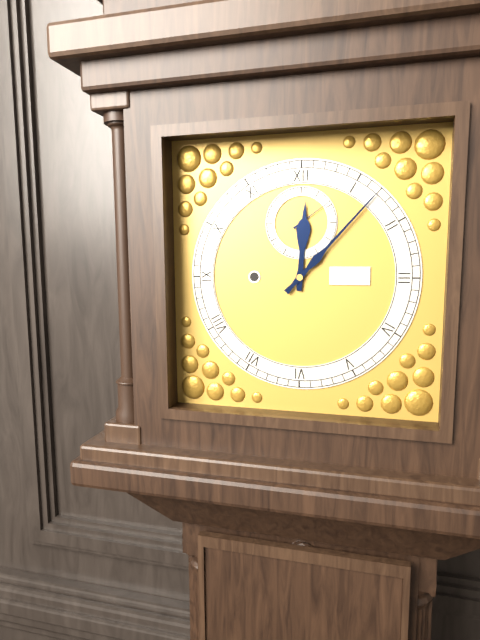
**12:07**
